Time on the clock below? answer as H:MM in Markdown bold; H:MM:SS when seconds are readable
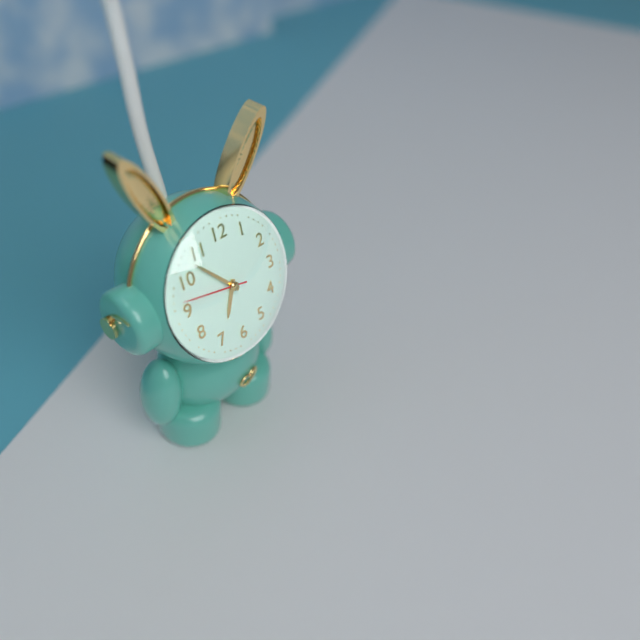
**6:53:47**
